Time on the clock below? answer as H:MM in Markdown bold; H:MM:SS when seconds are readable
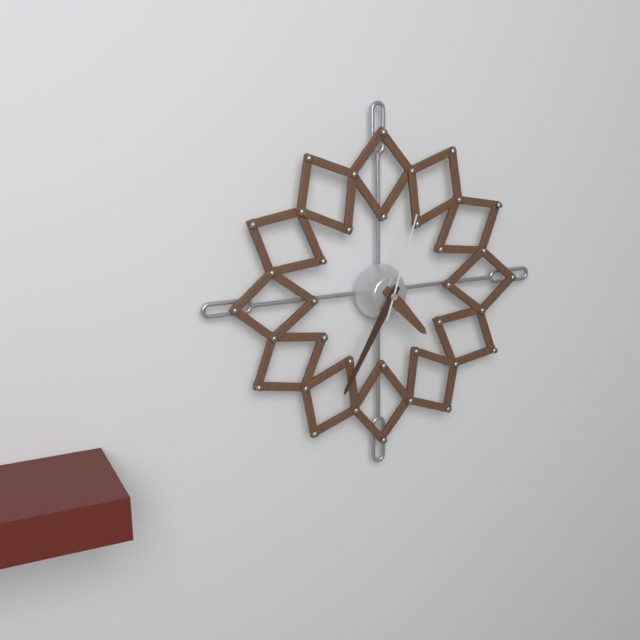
**4:35:03**
